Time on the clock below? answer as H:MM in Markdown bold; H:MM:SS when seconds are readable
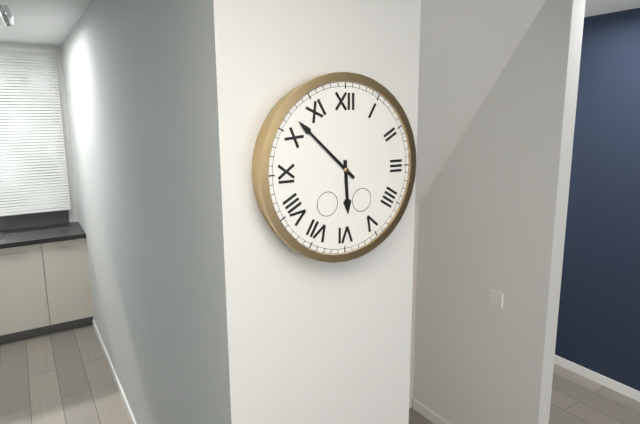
**5:52**
